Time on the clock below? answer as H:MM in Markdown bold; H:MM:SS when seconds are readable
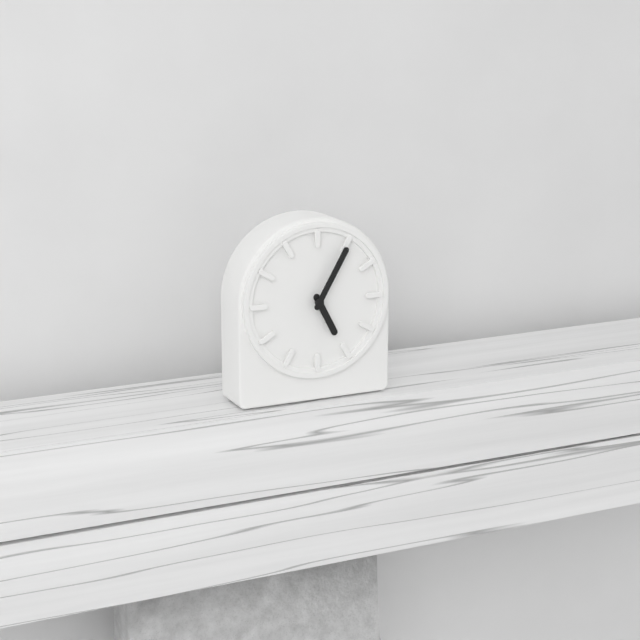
**5:05**
